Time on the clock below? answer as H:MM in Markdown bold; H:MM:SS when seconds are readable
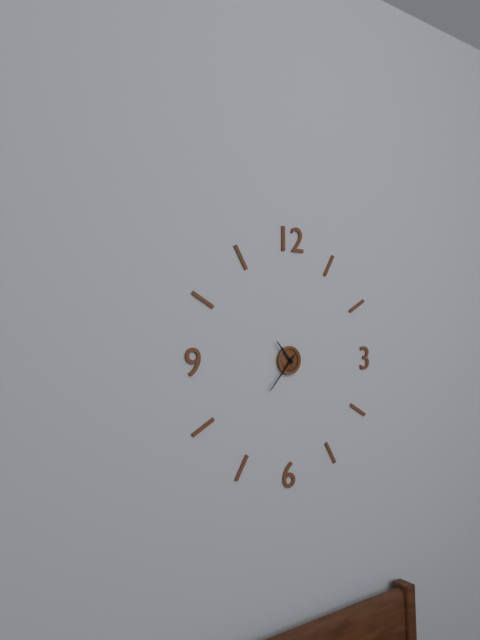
**10:37**
